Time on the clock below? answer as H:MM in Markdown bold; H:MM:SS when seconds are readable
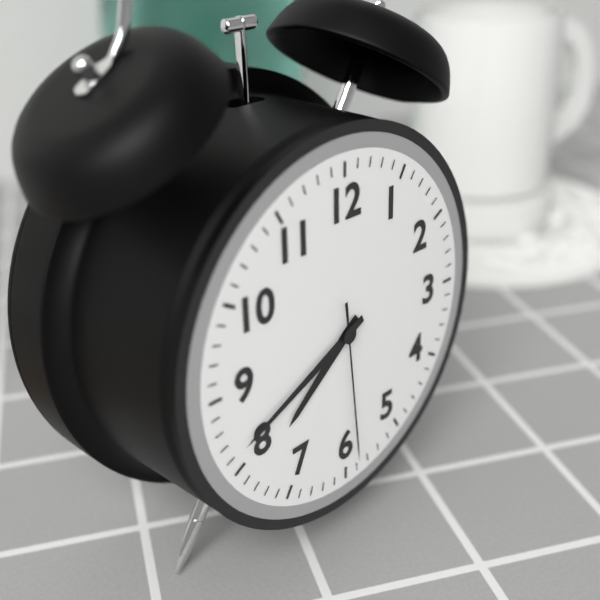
**7:41:29**
